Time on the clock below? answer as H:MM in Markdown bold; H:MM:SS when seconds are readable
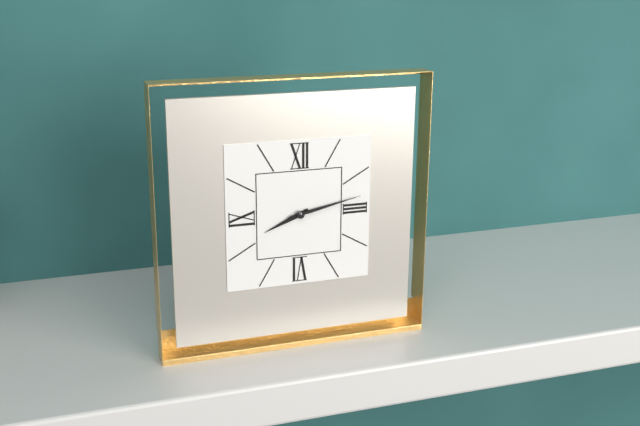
**8:13**
